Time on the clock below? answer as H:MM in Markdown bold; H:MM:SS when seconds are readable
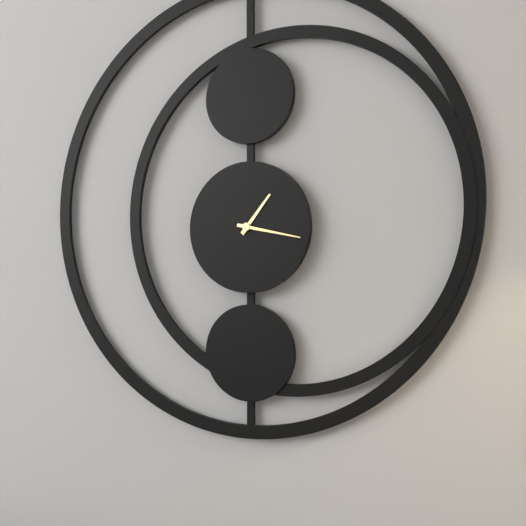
**1:17**
